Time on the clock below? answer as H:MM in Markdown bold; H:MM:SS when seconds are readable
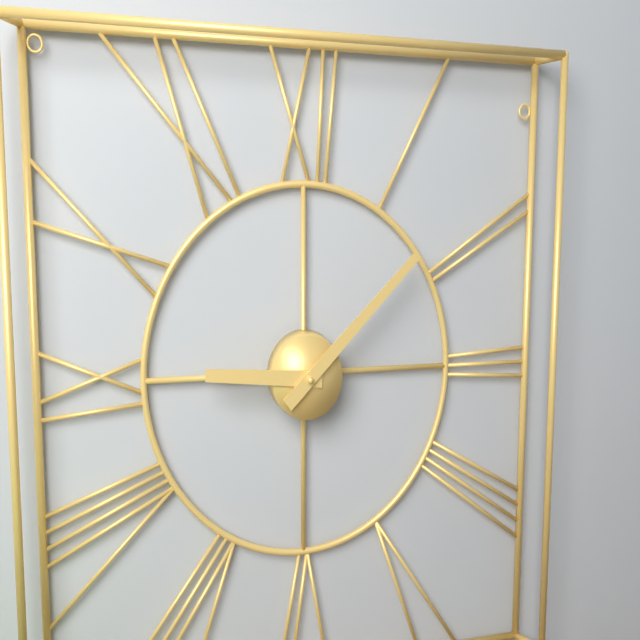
**9:08**
